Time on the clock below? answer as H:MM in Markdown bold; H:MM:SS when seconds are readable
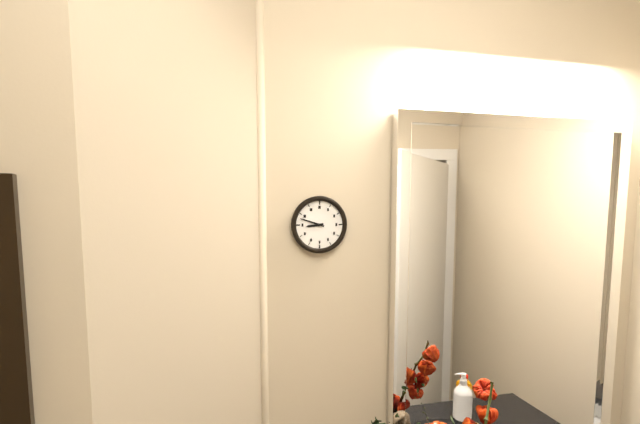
**8:48**
